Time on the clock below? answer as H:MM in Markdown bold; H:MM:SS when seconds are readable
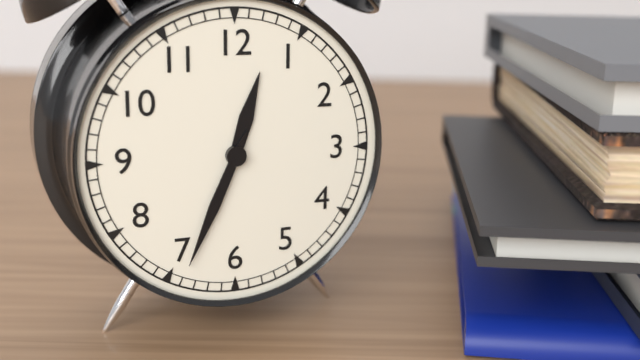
**12:34**
